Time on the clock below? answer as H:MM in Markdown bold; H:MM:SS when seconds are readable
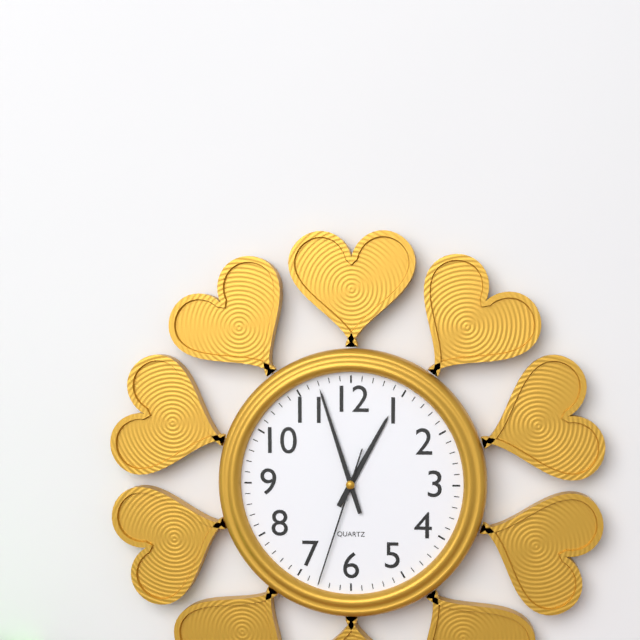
**12:57:33**
